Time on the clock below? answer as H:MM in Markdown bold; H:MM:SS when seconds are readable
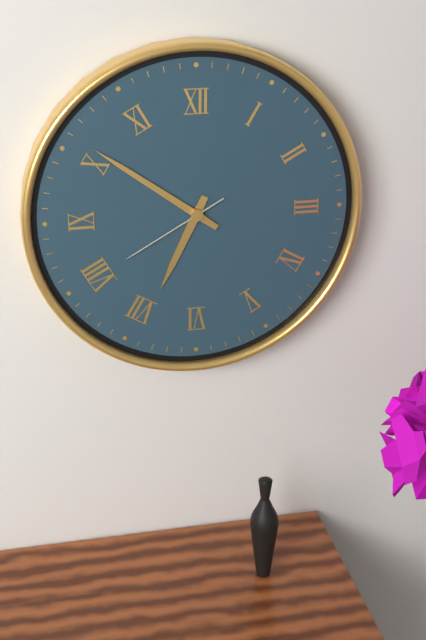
**6:51:40**
